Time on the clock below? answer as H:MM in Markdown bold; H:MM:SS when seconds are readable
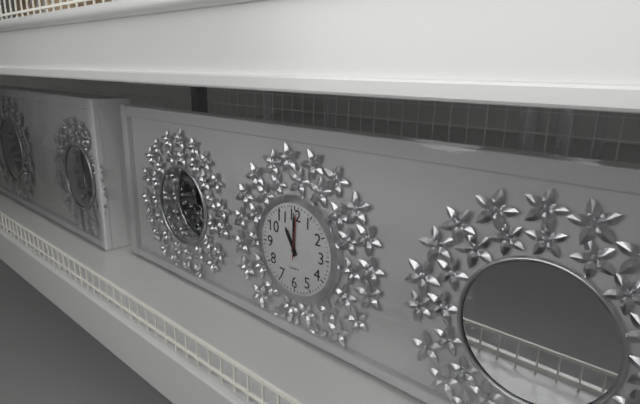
**11:00**
